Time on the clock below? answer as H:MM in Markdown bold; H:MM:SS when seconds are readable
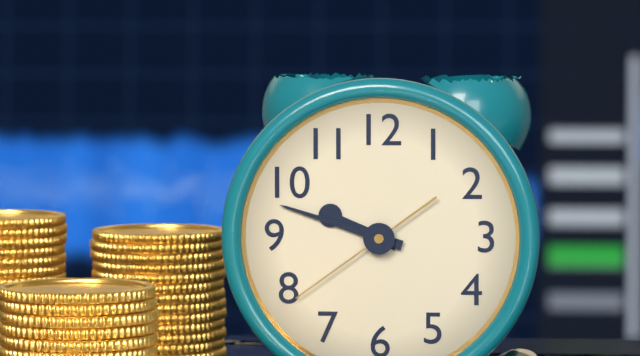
**9:48:39**
